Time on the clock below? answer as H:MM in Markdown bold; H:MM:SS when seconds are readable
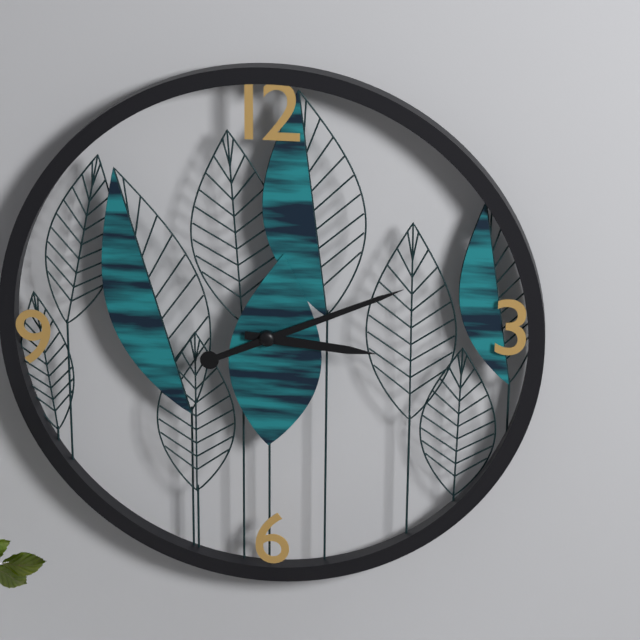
**3:11**
